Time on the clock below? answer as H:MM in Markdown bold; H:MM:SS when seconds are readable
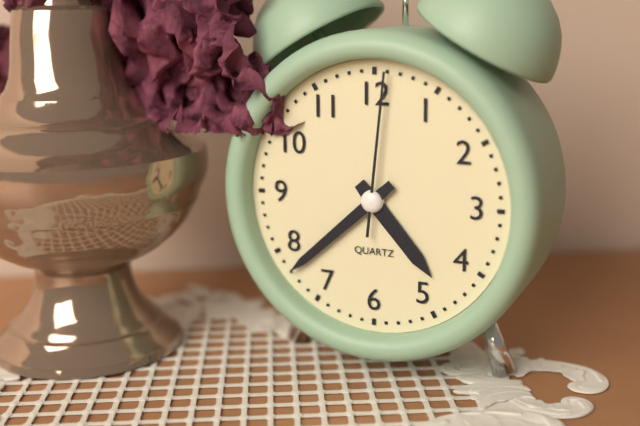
**4:38:01**
